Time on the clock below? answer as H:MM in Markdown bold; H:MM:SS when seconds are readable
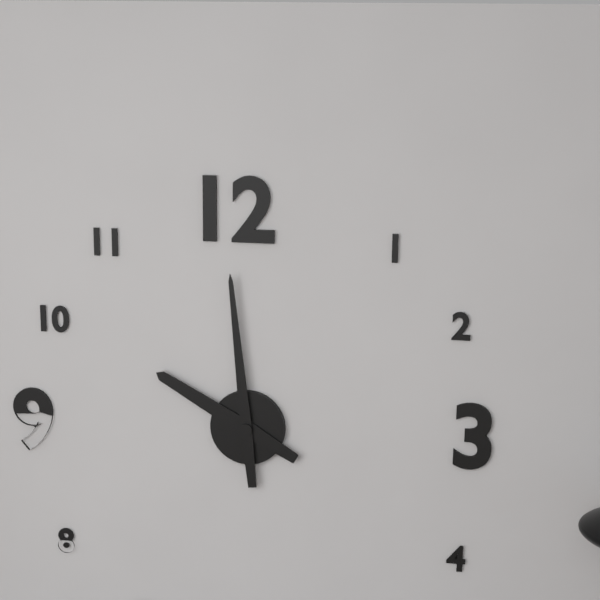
**9:59**
